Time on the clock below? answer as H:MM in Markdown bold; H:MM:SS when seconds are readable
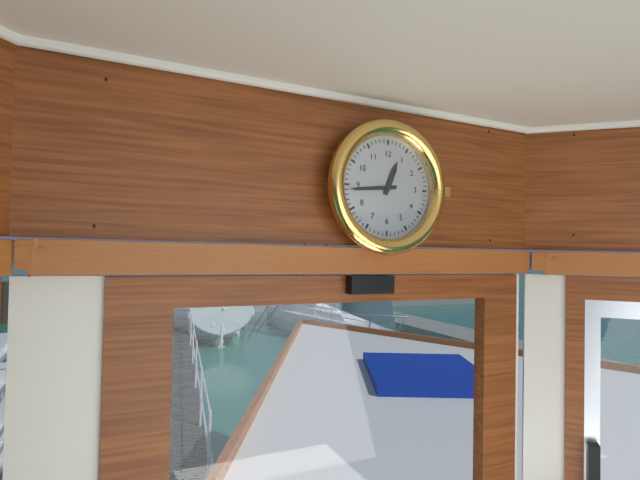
**12:44**
